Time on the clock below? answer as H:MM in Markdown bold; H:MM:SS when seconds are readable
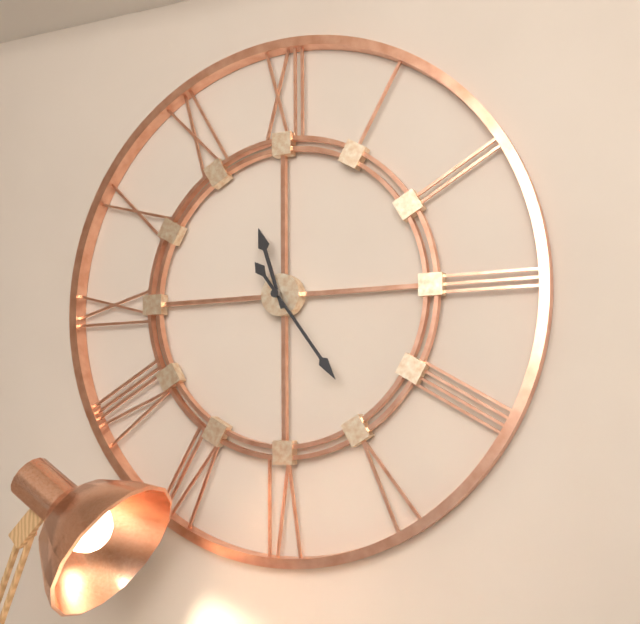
**11:24**
